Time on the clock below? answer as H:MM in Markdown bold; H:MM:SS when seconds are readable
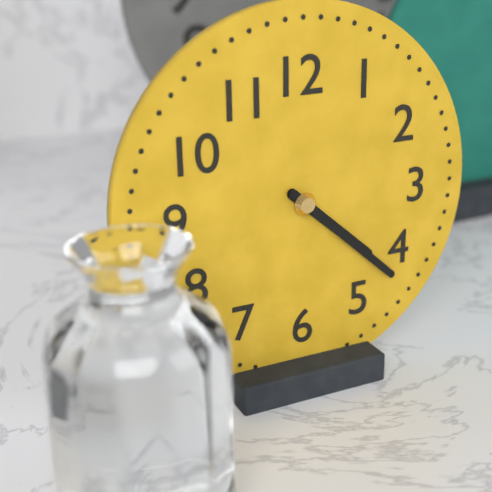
**4:22**
